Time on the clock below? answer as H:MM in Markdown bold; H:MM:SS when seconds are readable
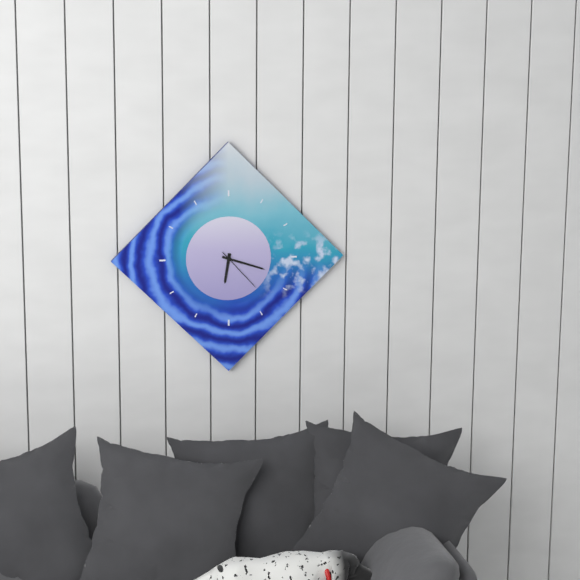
**6:18:23**
